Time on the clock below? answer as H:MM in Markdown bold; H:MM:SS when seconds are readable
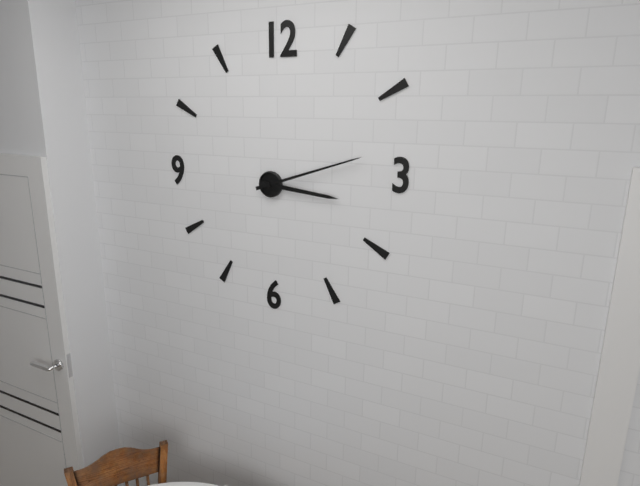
**3:12**
